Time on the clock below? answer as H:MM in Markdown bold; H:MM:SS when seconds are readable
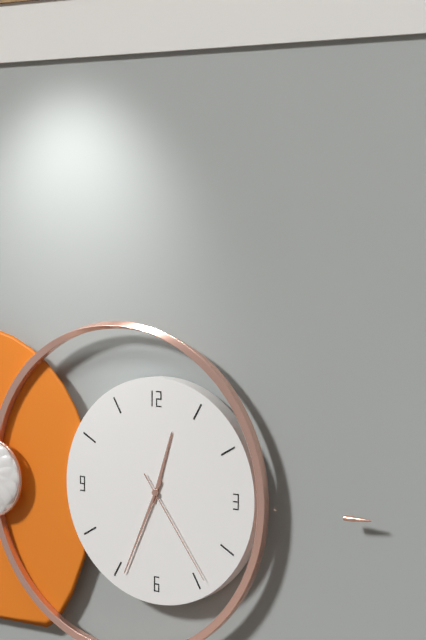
**12:34:24**
